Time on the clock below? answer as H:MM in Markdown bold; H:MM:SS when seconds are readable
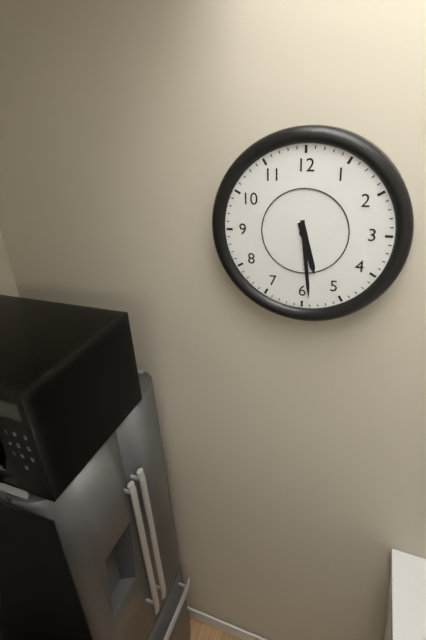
**5:29**
